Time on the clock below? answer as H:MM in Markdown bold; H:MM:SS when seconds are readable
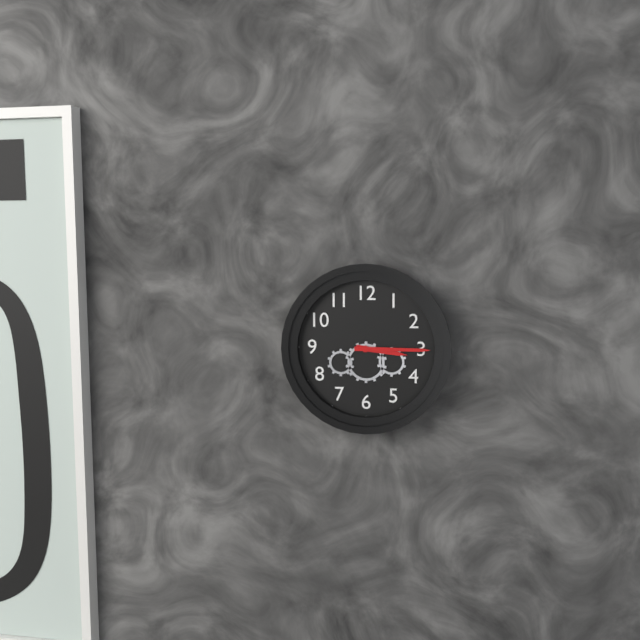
**3:15**
